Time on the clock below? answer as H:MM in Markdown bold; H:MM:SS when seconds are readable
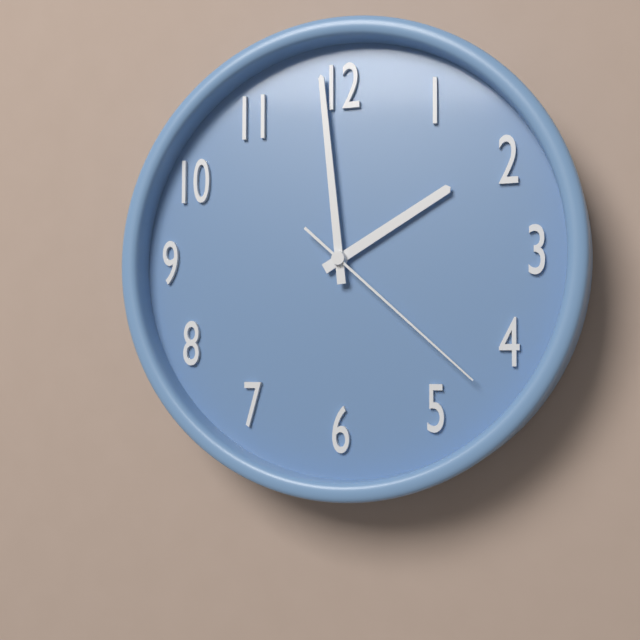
**1:59:22**
